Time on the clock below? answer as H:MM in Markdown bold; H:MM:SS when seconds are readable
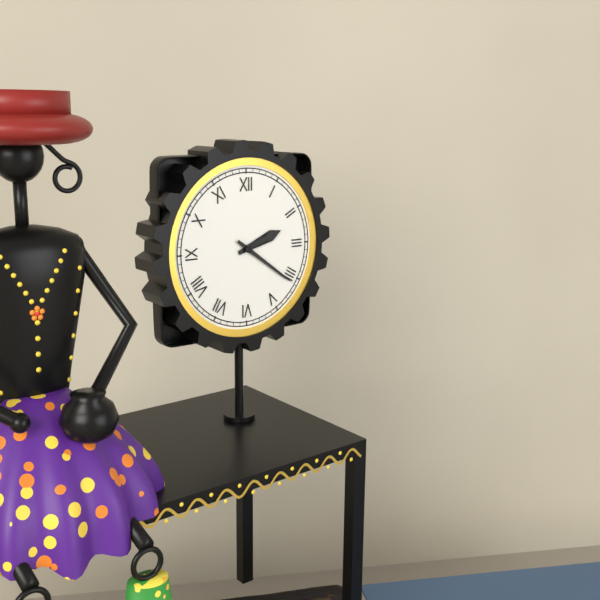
**2:21**
